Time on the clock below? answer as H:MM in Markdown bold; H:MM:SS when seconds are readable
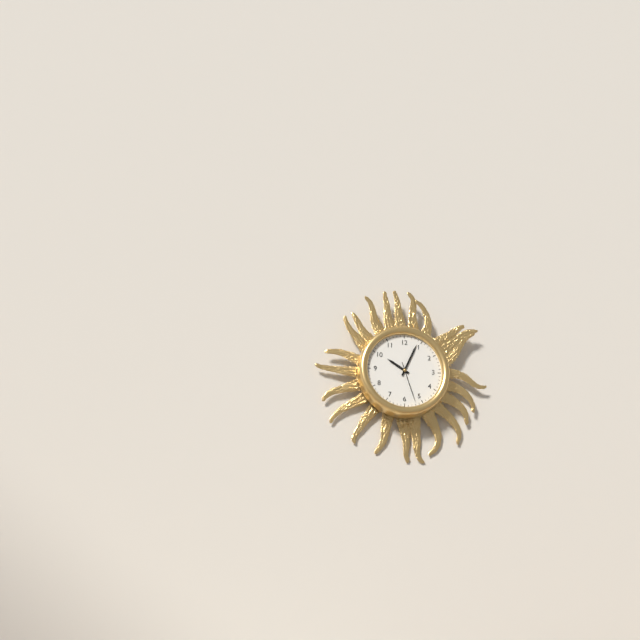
**10:04**
